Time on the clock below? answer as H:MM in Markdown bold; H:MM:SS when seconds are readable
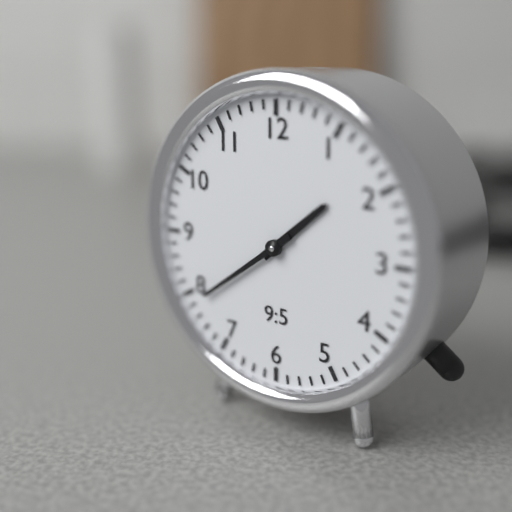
**1:39**
